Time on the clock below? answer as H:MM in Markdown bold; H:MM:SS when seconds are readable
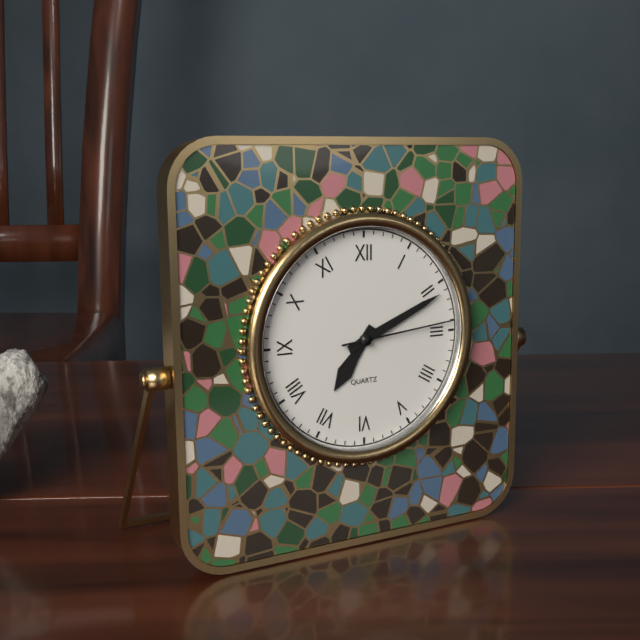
**7:11:14**
